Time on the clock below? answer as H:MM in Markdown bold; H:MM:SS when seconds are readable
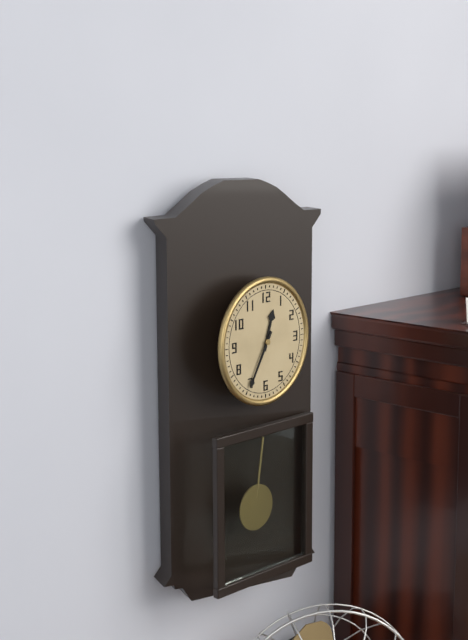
**12:35**
